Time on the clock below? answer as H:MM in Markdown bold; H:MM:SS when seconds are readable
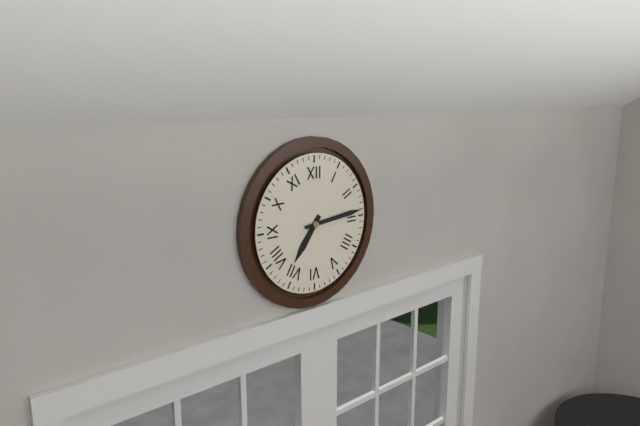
**7:14**
